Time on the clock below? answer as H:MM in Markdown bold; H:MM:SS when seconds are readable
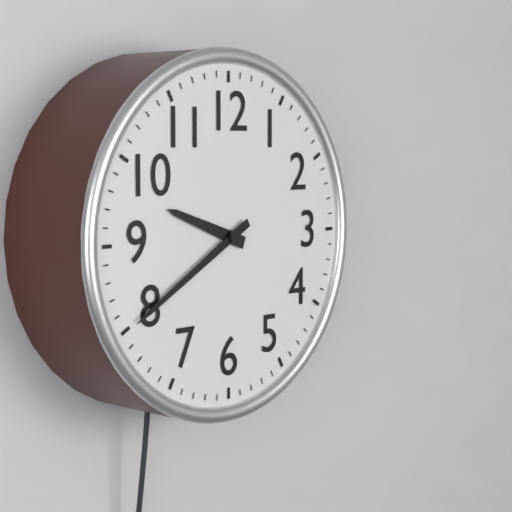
**9:40**
